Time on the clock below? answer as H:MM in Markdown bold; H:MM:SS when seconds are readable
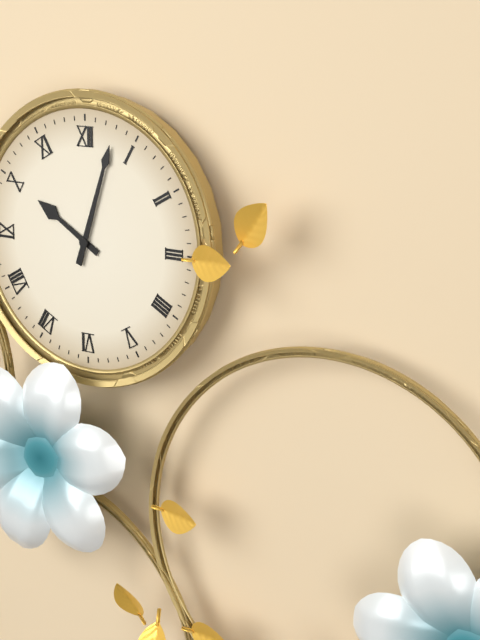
**10:03**
